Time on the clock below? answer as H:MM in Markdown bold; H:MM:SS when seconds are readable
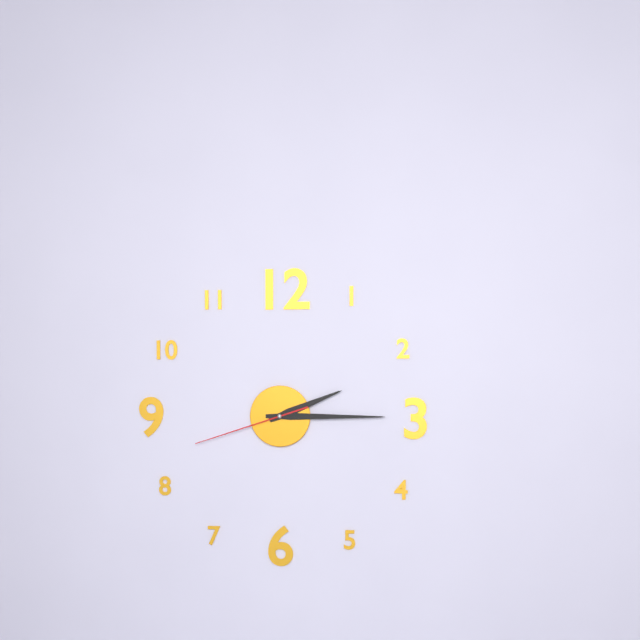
**2:15:42**
